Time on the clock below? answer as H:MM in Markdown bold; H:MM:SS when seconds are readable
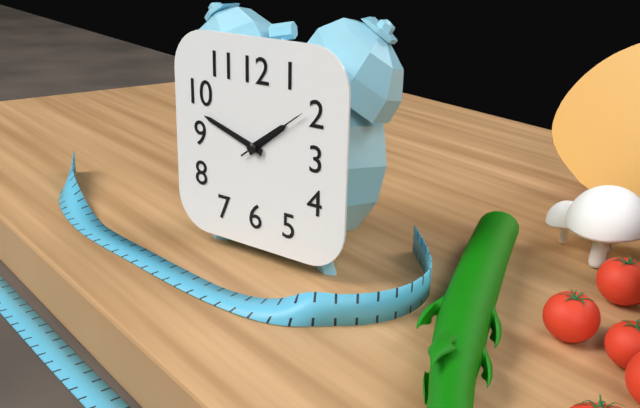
**1:48:09**
